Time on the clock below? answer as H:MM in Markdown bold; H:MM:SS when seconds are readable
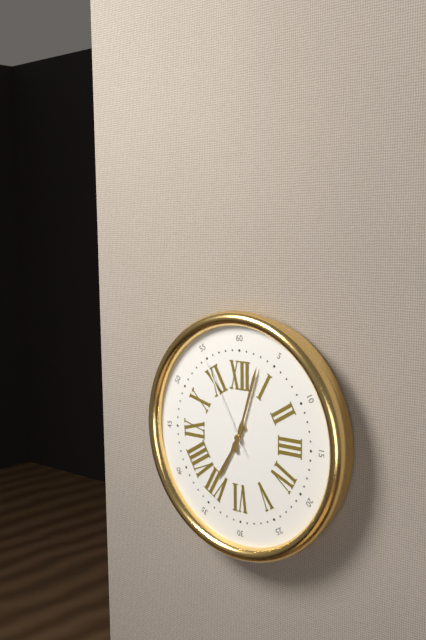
**7:03:55**
